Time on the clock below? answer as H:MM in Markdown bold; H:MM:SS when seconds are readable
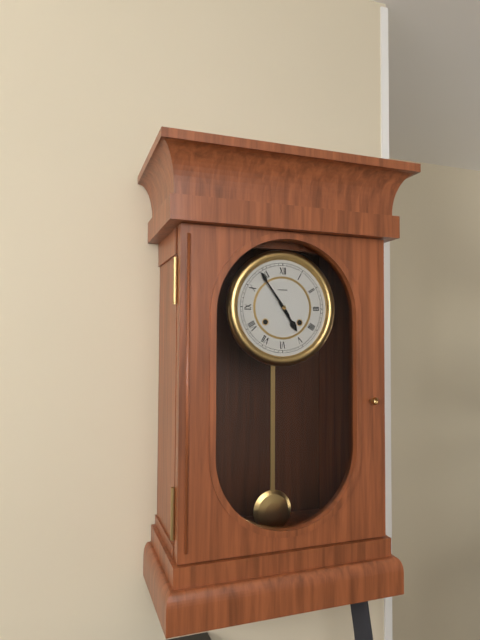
**4:54**
